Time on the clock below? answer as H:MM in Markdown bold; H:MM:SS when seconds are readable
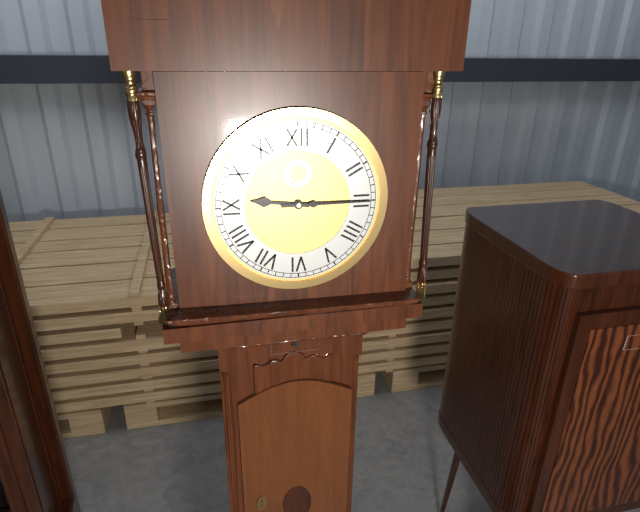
**9:15**
